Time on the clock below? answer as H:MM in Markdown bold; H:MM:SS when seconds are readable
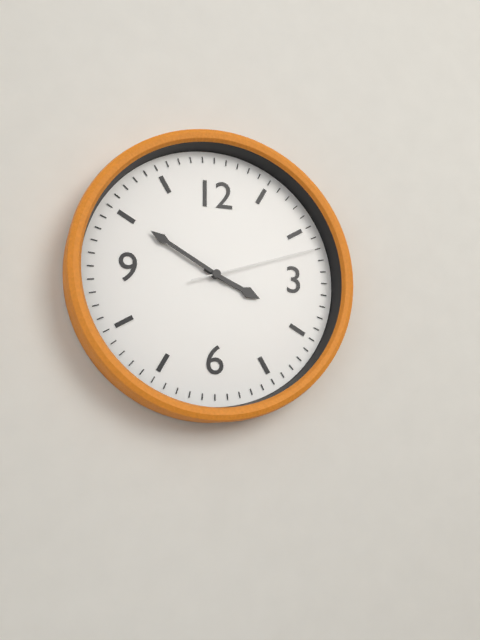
**3:50:12**
